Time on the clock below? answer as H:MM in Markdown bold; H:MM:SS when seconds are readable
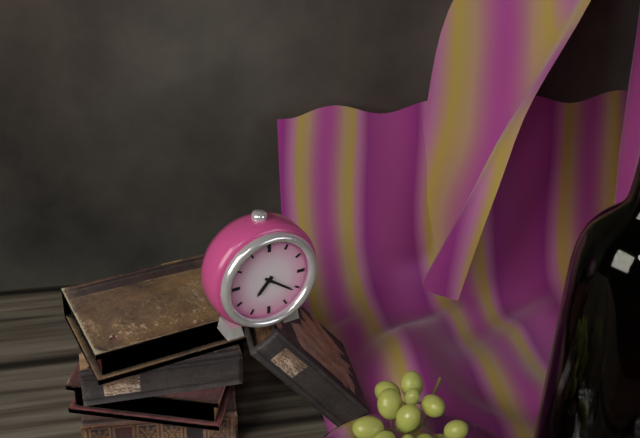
**7:21**
